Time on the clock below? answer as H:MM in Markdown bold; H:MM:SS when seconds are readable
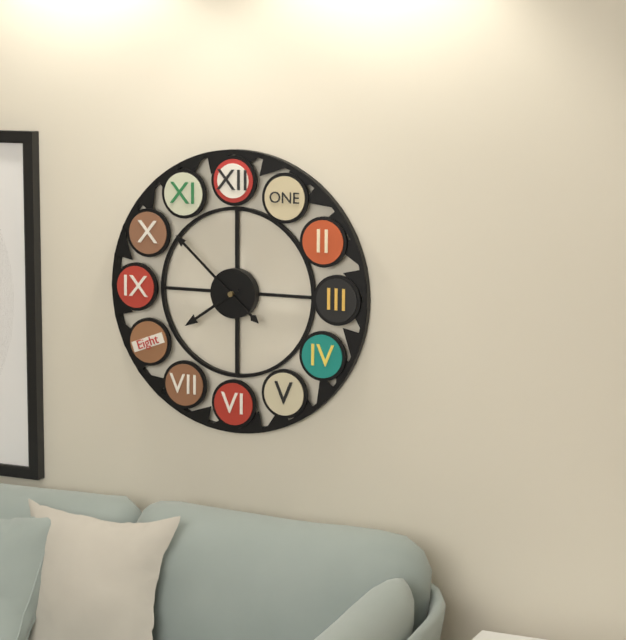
**7:52**
